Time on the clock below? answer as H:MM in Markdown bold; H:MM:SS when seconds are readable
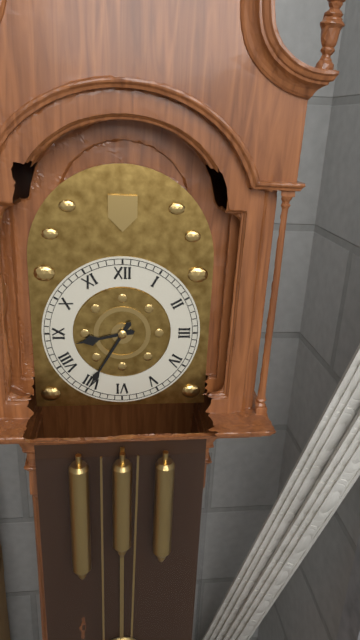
**8:35**
